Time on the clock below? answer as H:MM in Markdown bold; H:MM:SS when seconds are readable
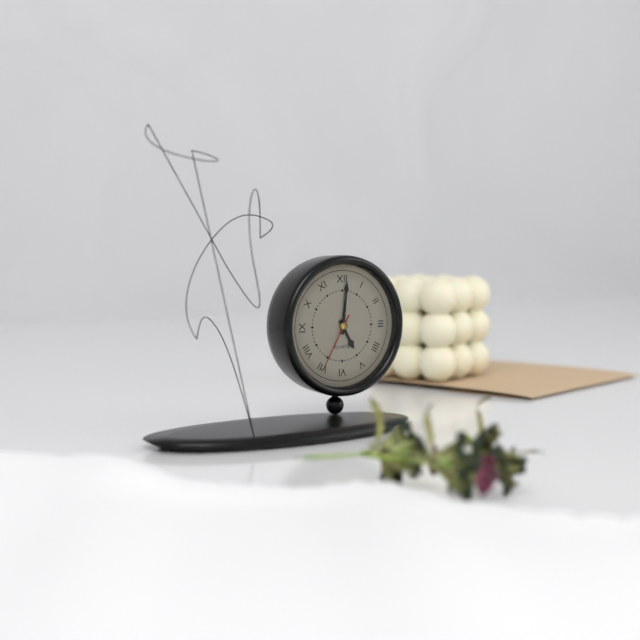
**5:01:35**
